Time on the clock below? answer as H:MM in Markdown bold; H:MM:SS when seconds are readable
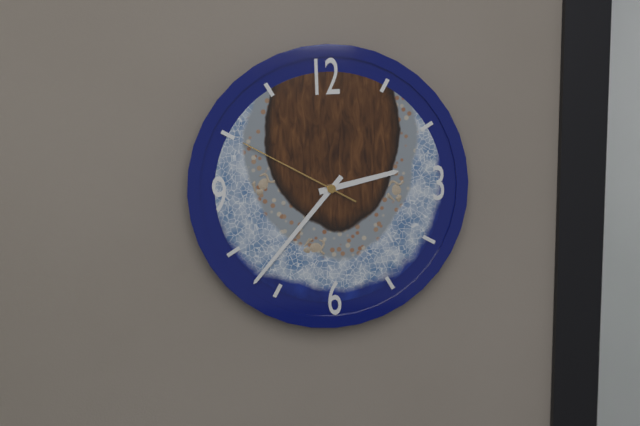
**2:37:50**
